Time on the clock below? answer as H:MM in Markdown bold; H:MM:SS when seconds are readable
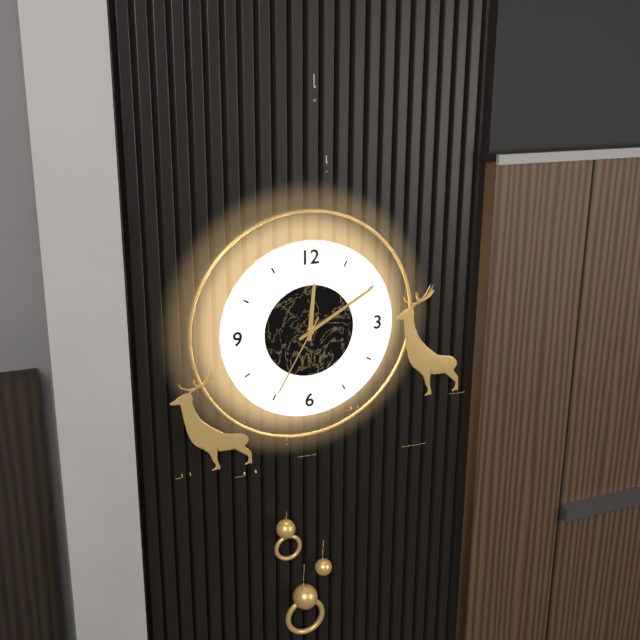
**12:10:35**
